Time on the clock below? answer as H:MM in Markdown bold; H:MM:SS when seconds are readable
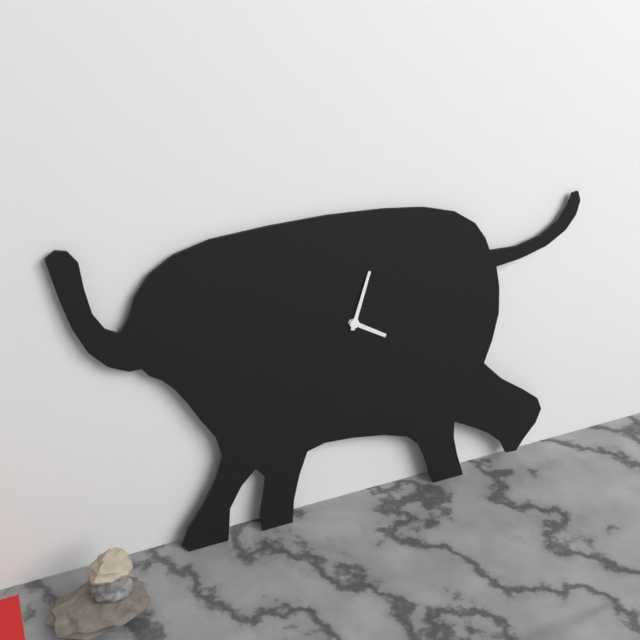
**4:03**
